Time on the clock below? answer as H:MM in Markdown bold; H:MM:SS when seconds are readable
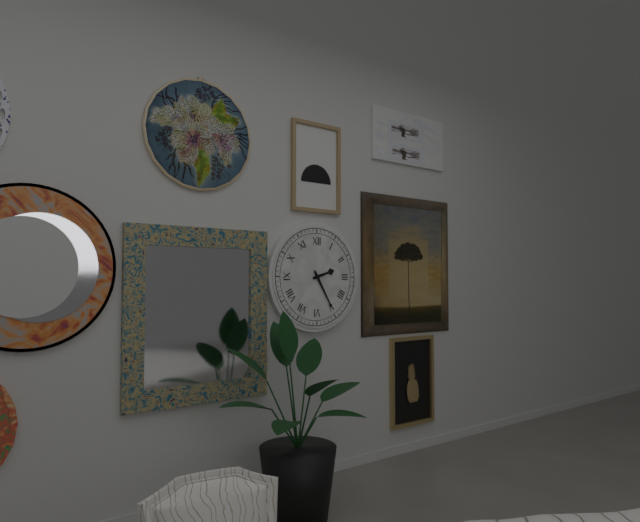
**2:25**
